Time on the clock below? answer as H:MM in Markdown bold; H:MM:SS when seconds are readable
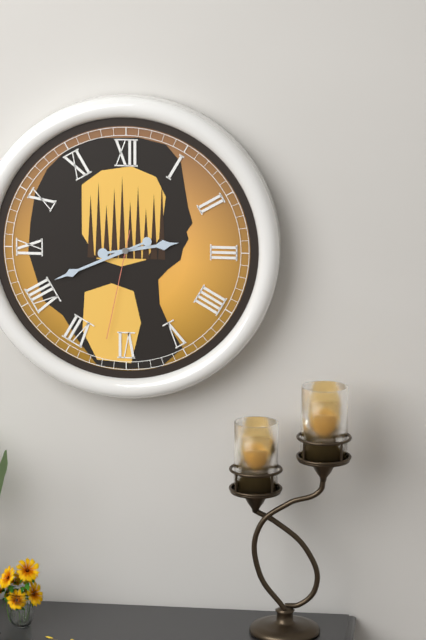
**2:41:32**
